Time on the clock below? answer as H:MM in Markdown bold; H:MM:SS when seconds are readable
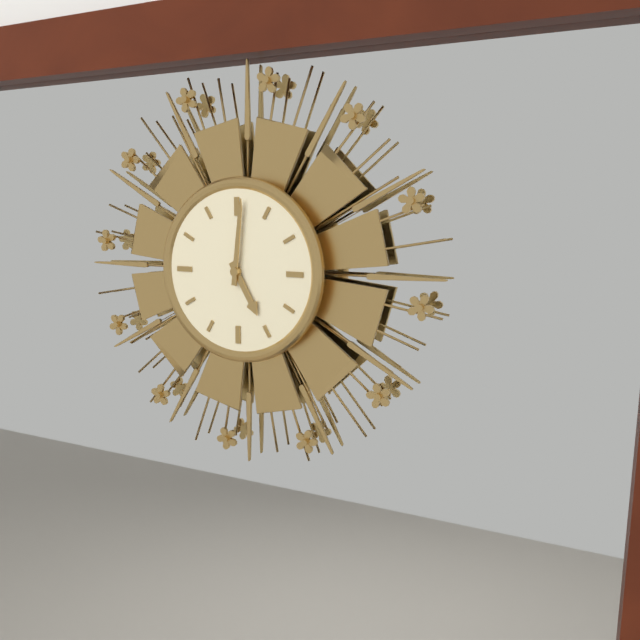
**5:01**
